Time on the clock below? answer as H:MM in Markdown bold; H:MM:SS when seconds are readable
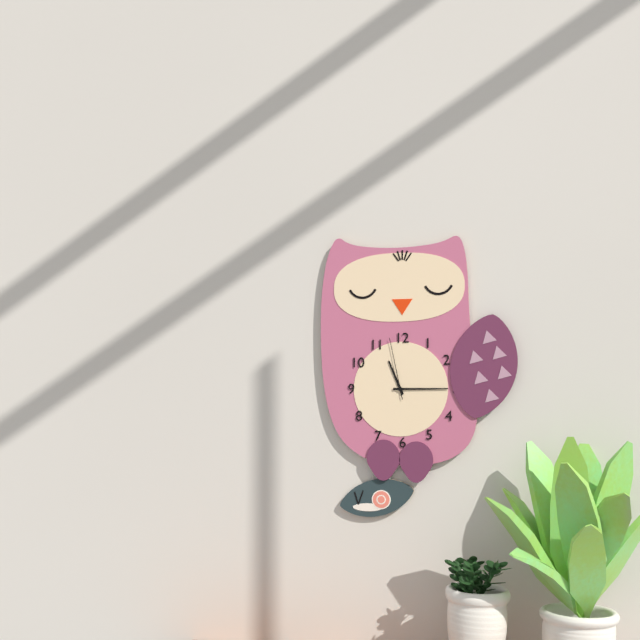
**11:15:58**
